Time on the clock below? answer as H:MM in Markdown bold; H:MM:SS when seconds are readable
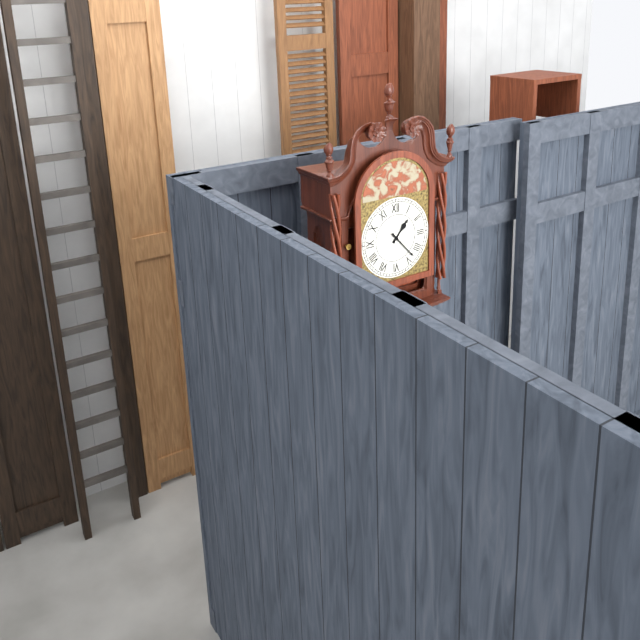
**1:23**
